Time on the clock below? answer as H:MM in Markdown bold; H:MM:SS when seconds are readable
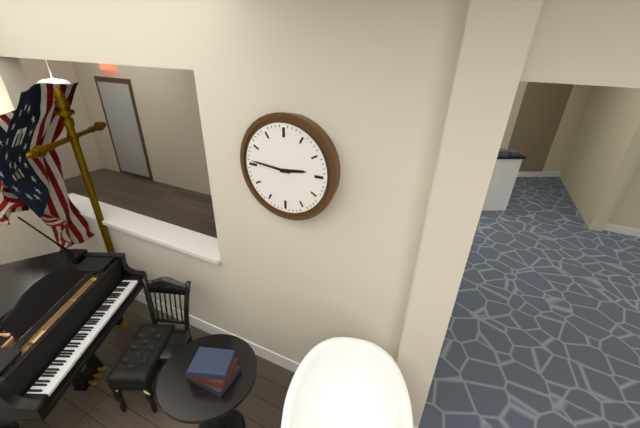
**2:46**
